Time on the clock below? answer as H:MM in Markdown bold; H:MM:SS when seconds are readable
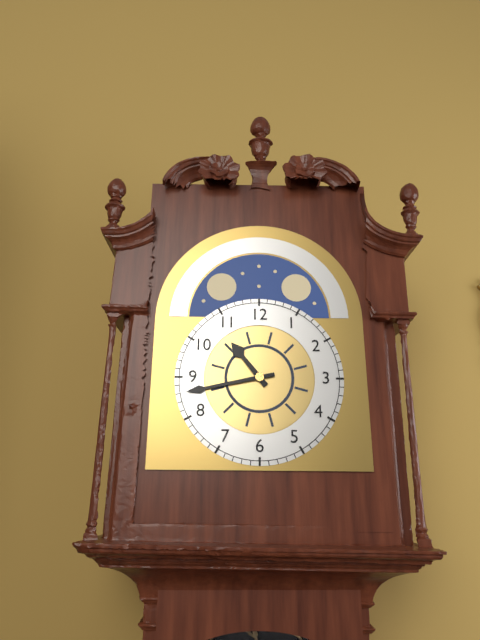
**10:43**
